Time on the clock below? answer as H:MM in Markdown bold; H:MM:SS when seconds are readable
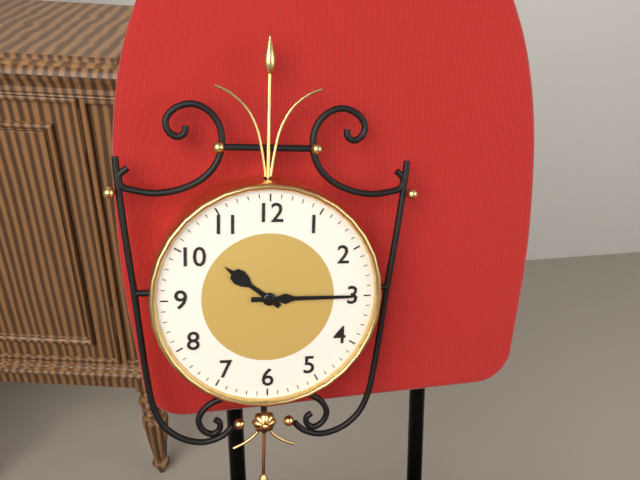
**10:15**
